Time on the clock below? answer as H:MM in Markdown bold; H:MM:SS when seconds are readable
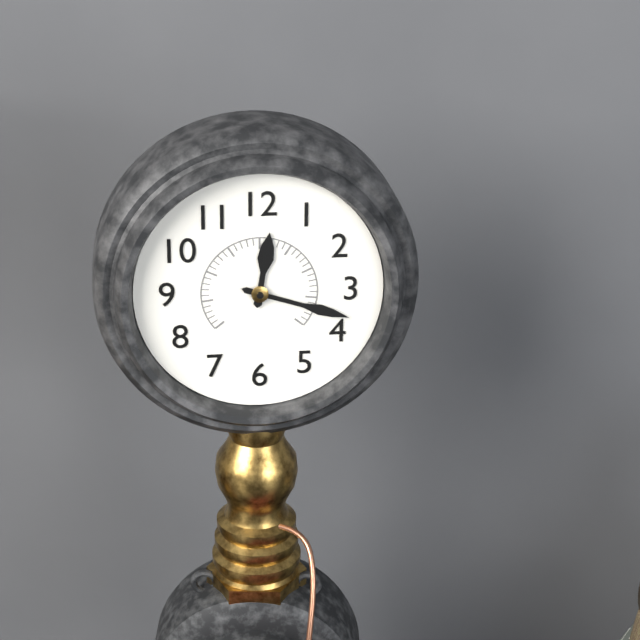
**12:18**
